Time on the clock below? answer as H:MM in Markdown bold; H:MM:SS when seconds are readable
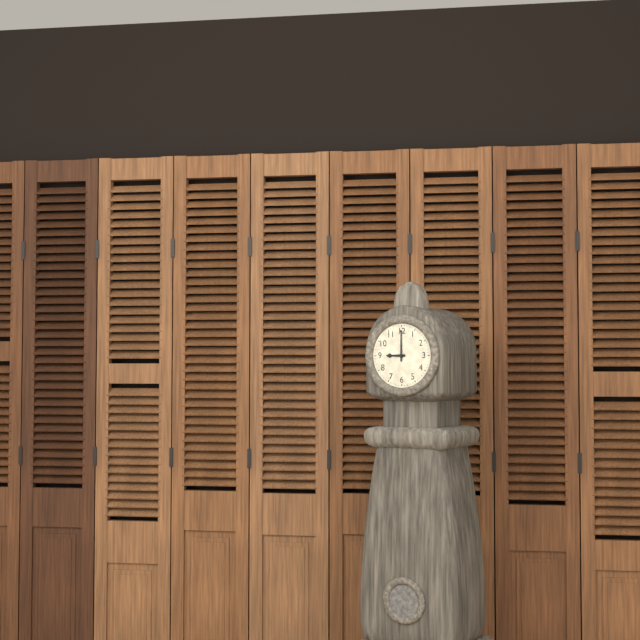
**9:00**
